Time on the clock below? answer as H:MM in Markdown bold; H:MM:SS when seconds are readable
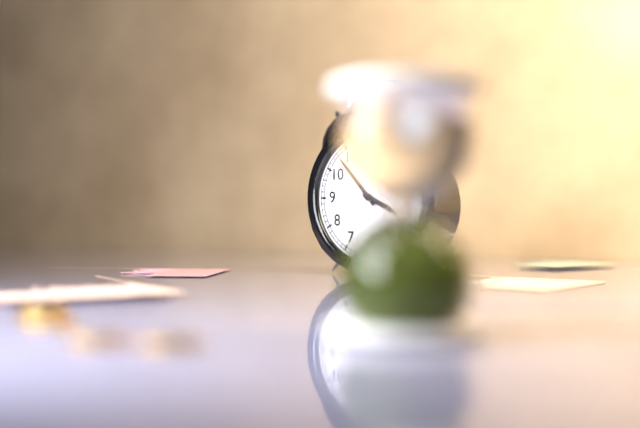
**3:53**
